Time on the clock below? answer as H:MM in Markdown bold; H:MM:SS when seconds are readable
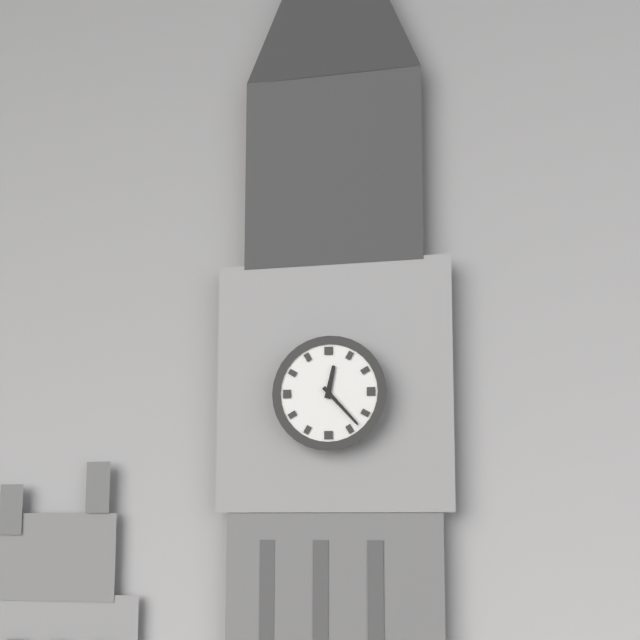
**12:23**
